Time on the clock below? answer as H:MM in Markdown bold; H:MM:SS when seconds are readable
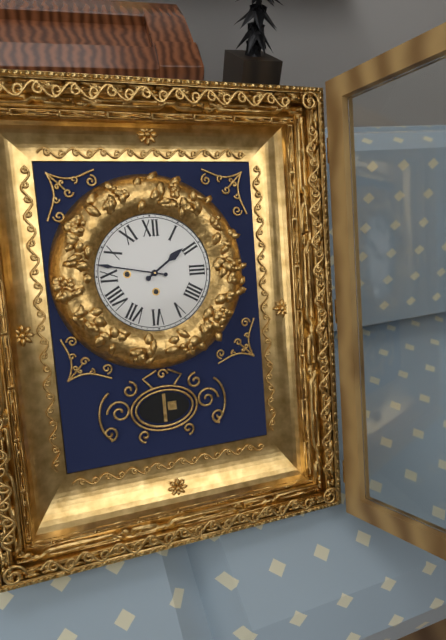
**1:47**
